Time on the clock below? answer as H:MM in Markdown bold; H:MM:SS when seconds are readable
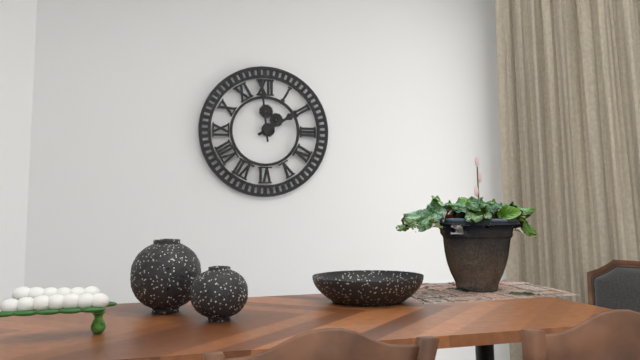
**1:59**
